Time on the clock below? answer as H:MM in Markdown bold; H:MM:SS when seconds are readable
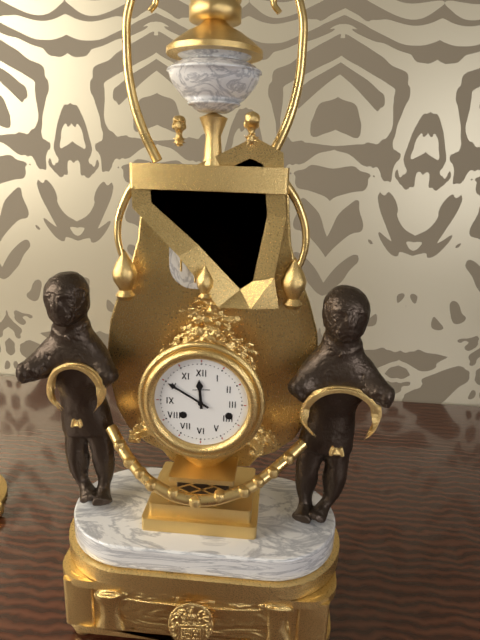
**11:50**
